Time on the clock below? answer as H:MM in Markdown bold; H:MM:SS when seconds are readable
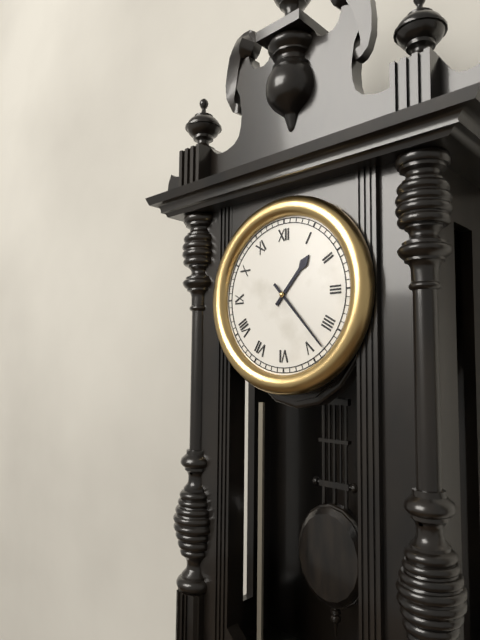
**1:23**
